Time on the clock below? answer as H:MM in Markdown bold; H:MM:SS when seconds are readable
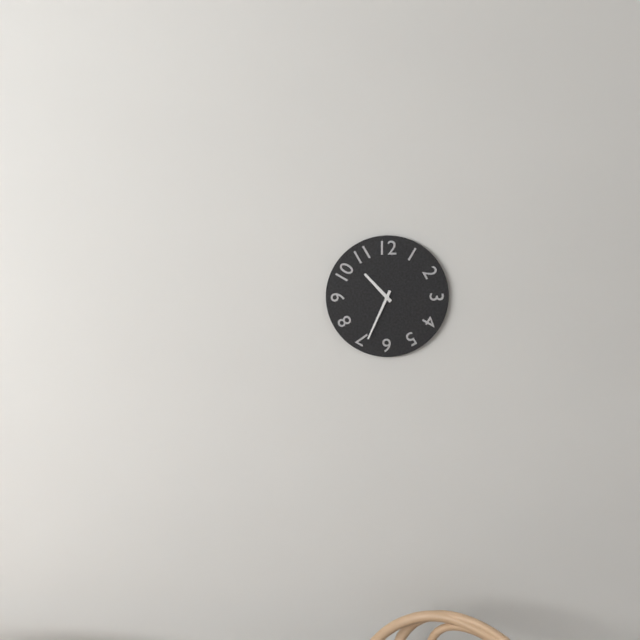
**10:34**
